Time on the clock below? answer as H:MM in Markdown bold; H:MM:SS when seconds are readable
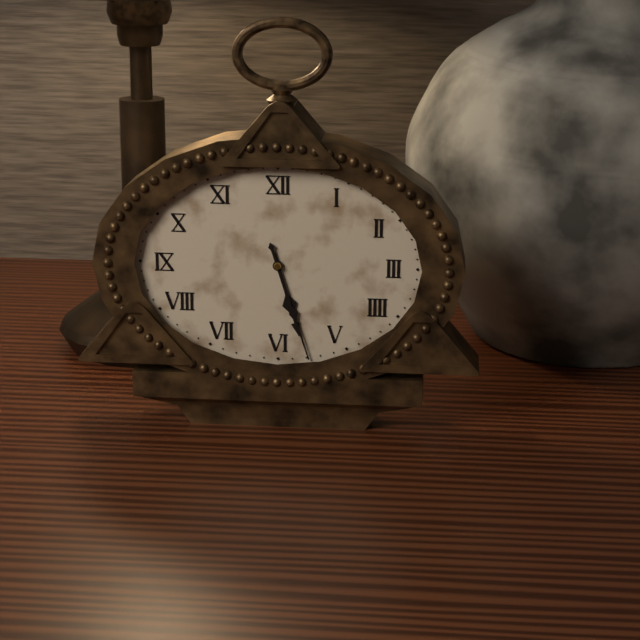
**5:27**
